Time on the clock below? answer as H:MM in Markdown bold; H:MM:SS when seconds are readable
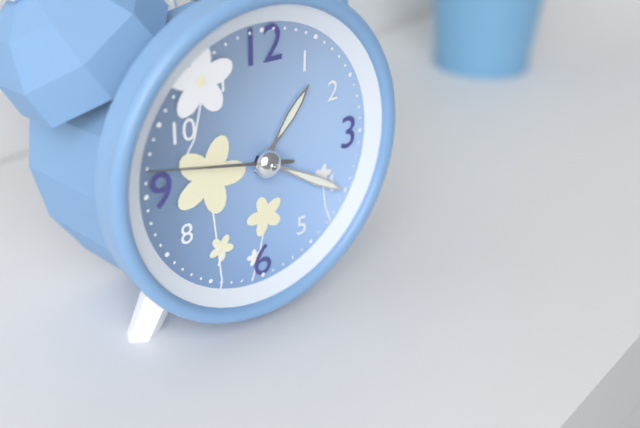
**1:20:47**
